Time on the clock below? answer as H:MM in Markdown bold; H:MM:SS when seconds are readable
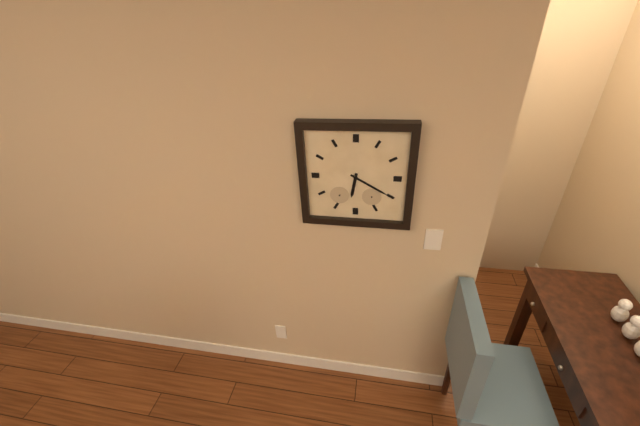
**6:20**
